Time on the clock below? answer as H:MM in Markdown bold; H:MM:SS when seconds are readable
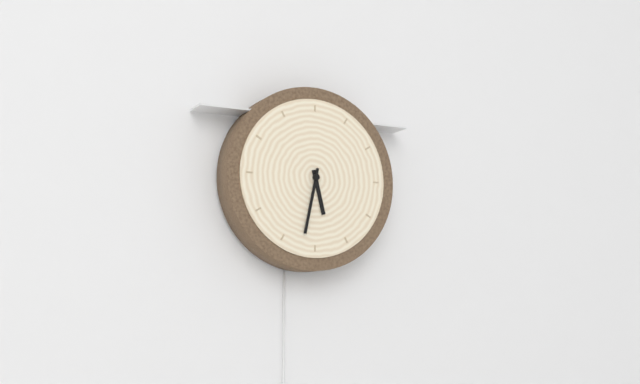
**5:32**
